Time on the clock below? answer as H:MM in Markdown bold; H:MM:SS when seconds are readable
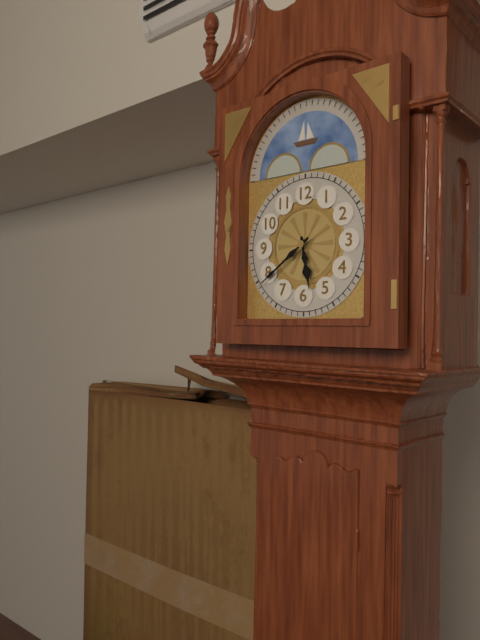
**5:39**
